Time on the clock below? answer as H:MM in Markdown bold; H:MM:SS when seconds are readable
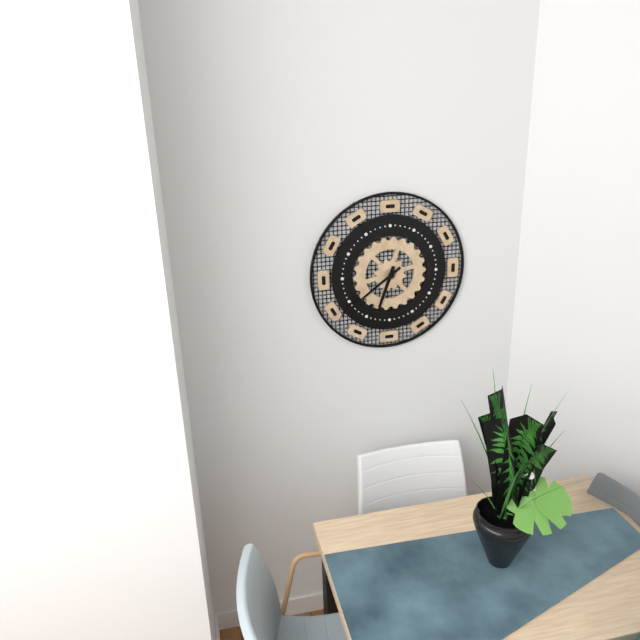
**6:39**
